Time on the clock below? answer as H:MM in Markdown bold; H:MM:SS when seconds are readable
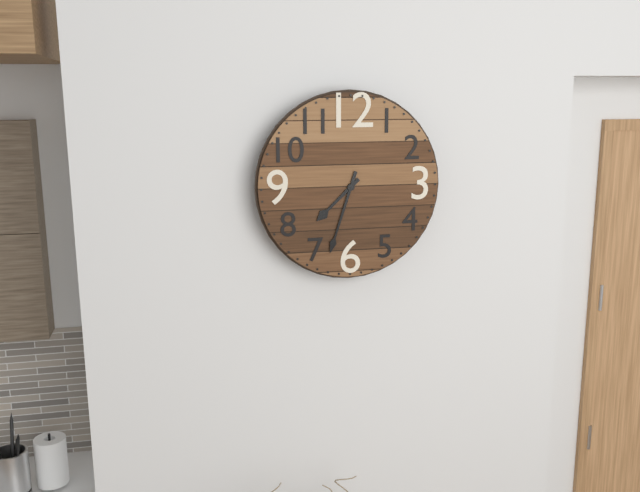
**7:33**
